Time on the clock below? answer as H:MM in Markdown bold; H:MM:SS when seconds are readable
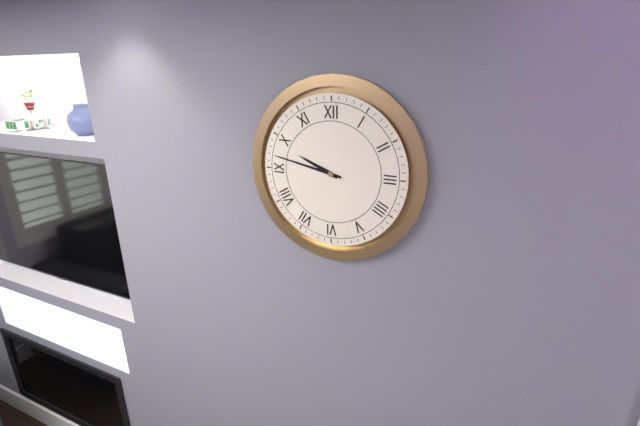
**9:47**
